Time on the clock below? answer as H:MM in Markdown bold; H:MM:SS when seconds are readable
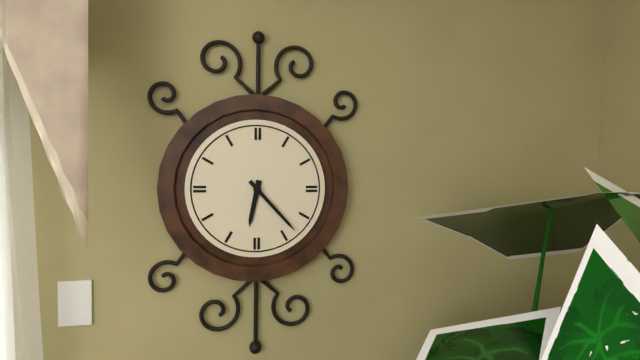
**6:23**
